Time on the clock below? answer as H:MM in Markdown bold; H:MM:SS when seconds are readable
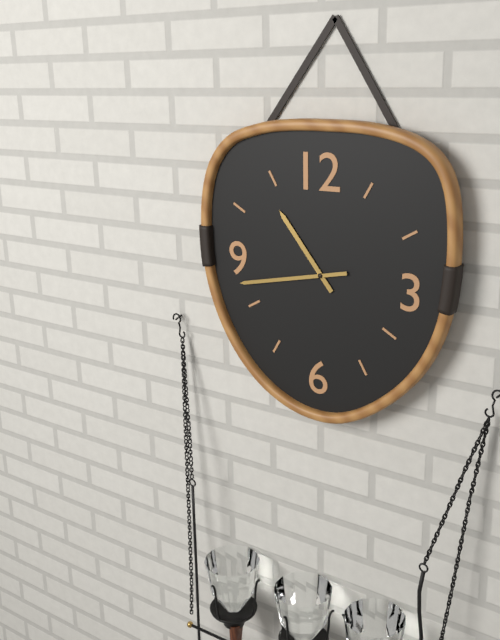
**10:43**
